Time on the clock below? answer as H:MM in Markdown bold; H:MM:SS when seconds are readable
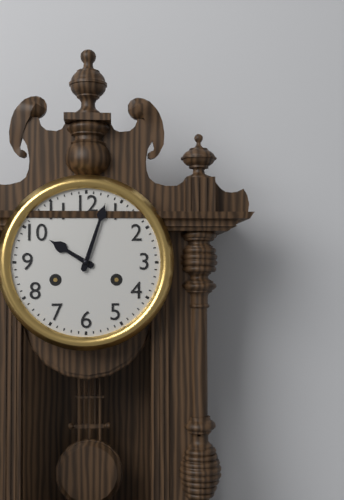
**10:03**
